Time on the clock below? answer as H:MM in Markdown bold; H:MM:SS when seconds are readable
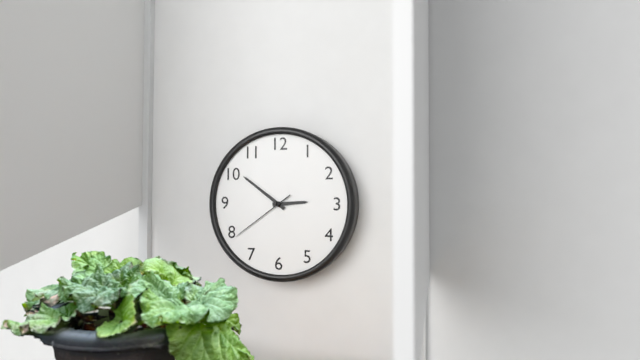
**2:51:39**
